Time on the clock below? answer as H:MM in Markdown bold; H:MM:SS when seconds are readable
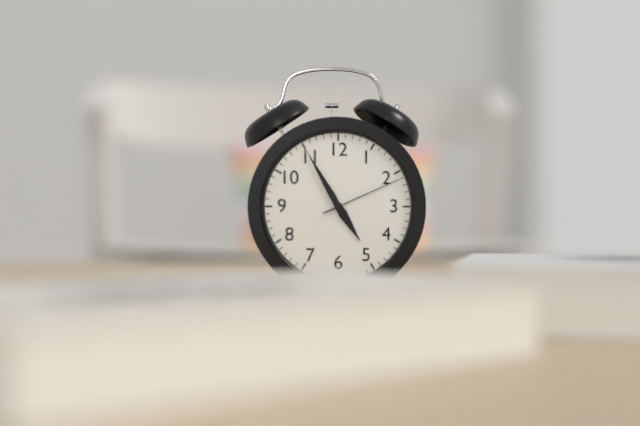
**4:55:11**
